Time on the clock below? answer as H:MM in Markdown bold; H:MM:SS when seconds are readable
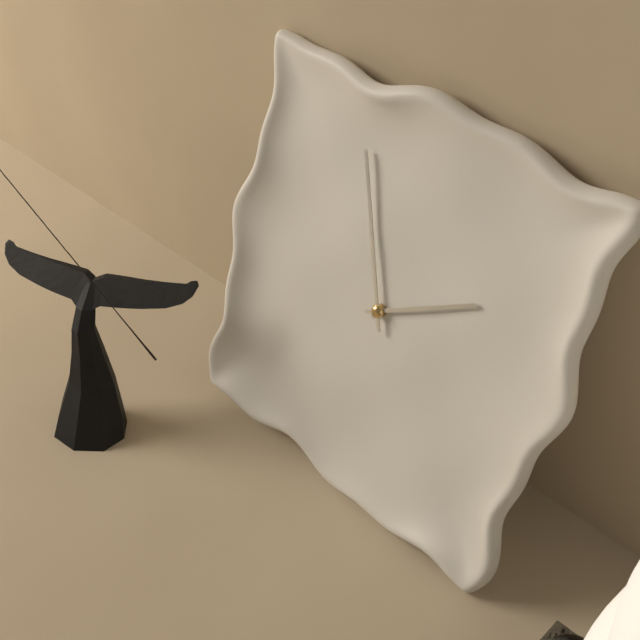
**1:56**
